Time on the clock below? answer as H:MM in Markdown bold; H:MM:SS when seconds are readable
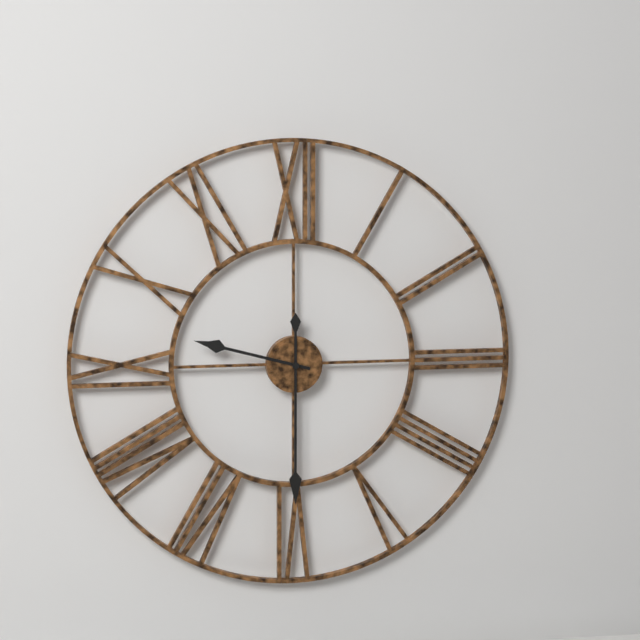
**9:30**
